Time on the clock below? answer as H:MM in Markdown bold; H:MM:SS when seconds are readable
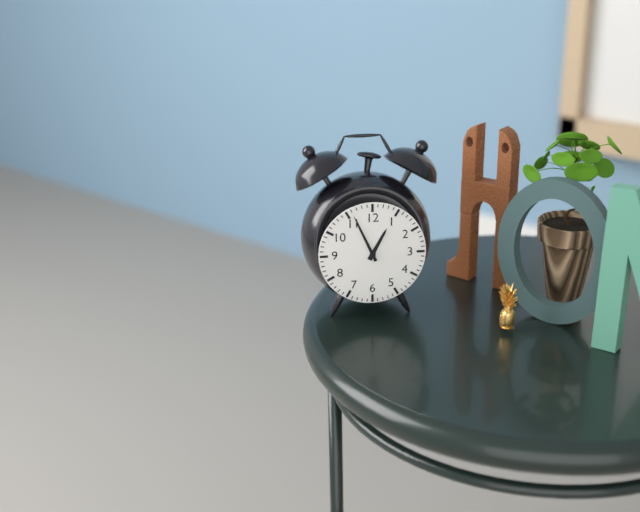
**12:56**
